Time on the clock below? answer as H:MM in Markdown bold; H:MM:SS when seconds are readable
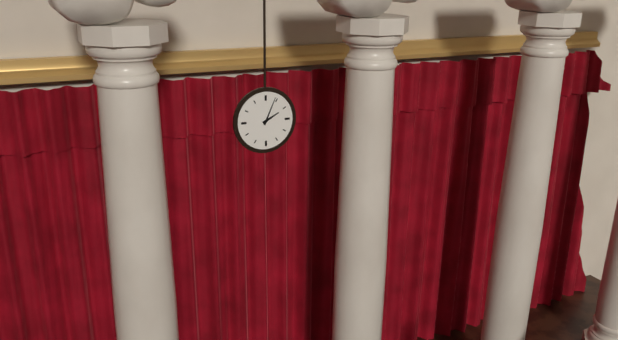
**2:04**
